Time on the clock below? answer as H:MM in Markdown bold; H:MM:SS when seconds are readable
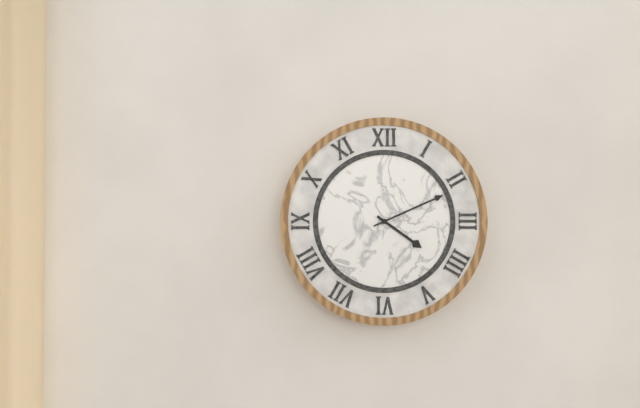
**4:11**
